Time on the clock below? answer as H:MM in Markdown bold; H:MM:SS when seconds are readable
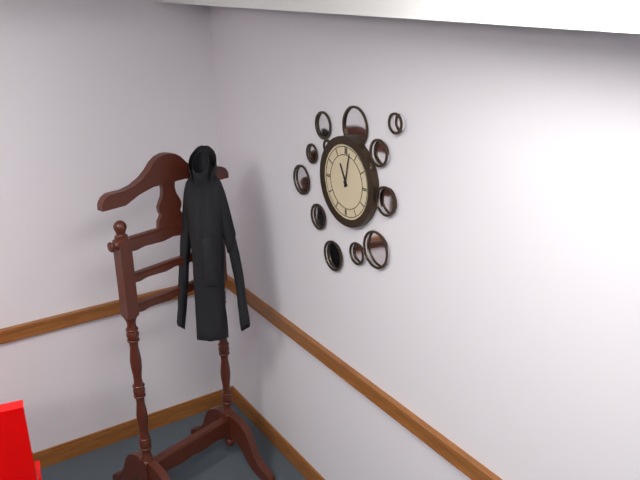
**11:02**
